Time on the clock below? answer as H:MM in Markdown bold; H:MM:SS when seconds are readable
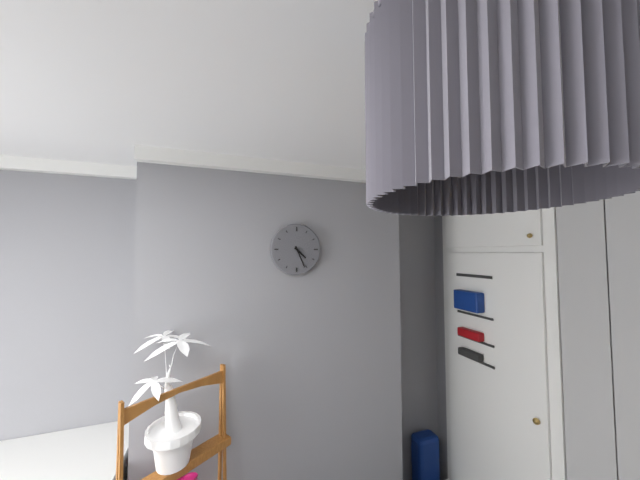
**4:26**
